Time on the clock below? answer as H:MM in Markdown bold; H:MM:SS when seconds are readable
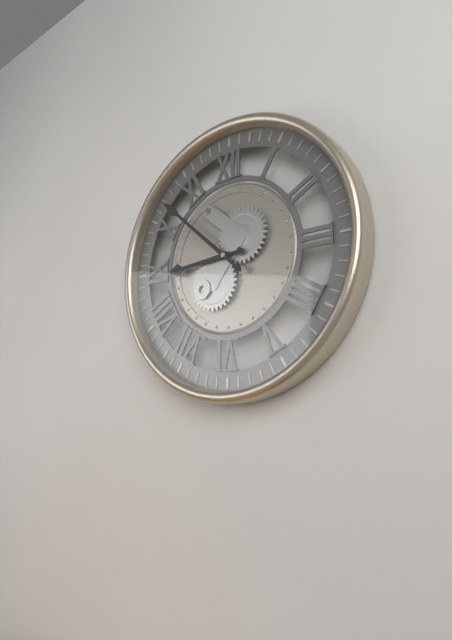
**8:52**
